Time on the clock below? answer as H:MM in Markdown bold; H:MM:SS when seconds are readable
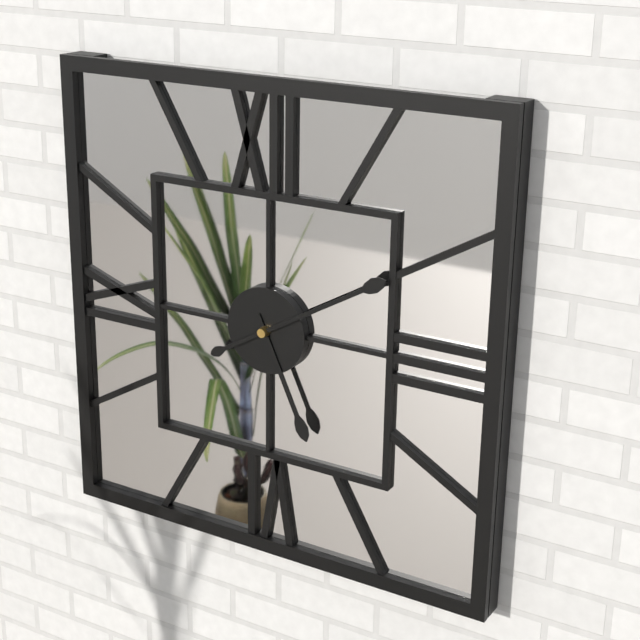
**5:10**
